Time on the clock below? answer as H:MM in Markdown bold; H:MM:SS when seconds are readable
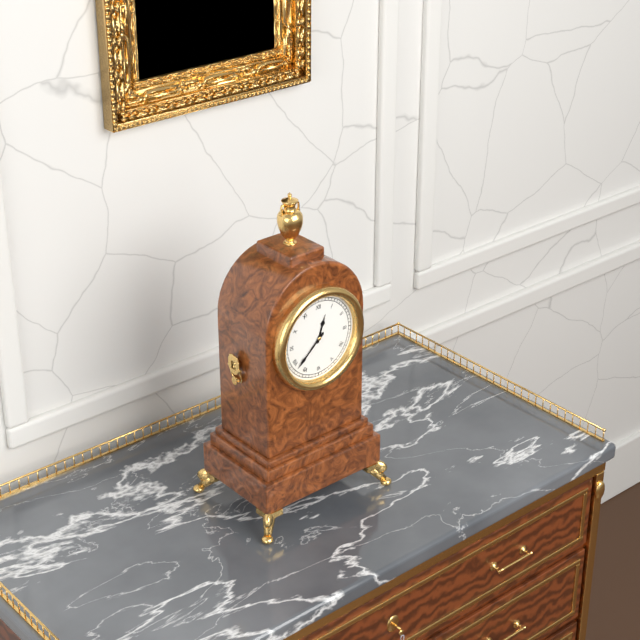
**12:38**
